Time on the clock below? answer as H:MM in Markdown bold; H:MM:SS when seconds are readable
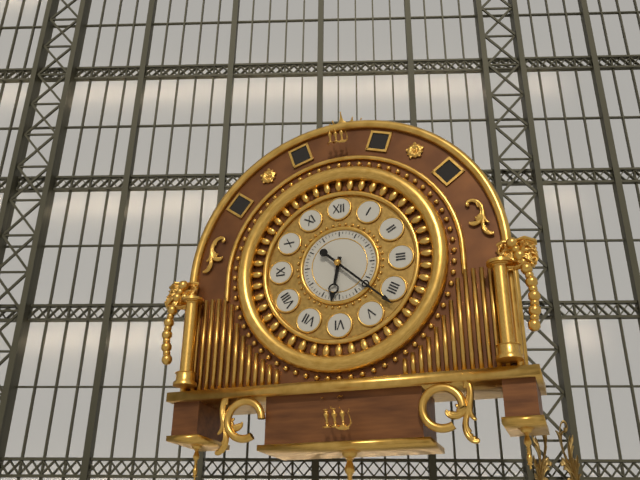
**6:22**
